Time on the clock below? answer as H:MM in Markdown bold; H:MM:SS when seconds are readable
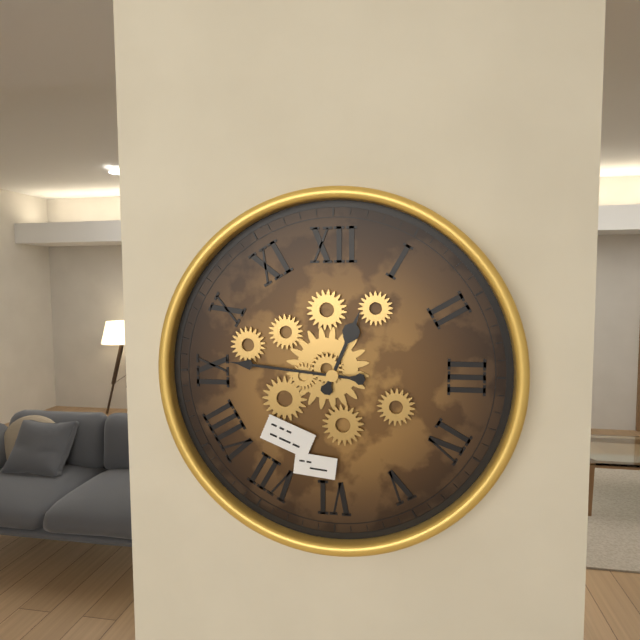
**12:46**
